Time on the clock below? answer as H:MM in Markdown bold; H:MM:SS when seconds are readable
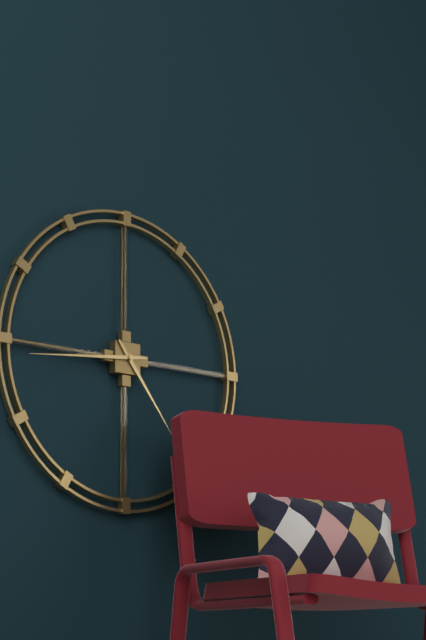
**4:44**
